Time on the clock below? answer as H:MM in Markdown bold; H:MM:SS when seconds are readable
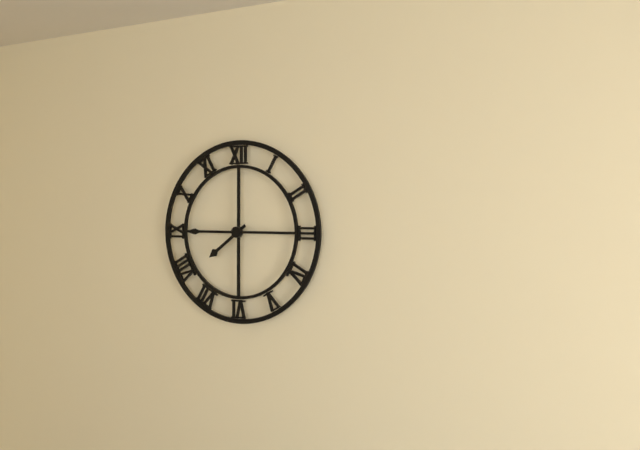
**7:45**
